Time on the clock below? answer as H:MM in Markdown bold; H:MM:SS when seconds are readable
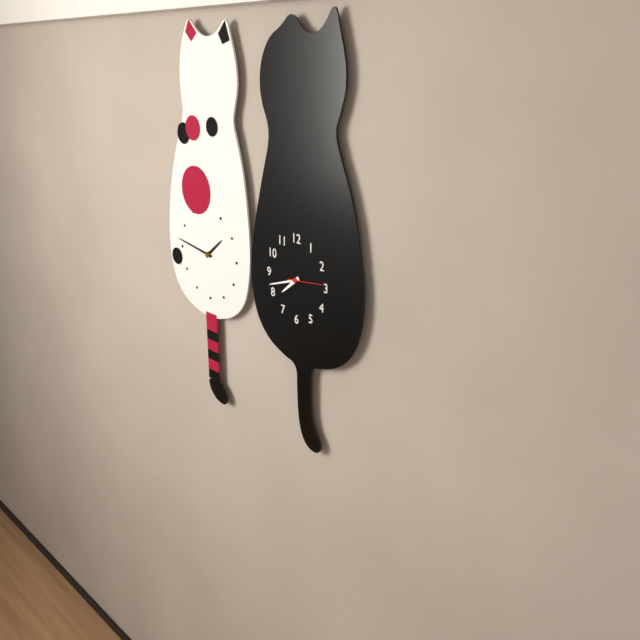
**7:42**
